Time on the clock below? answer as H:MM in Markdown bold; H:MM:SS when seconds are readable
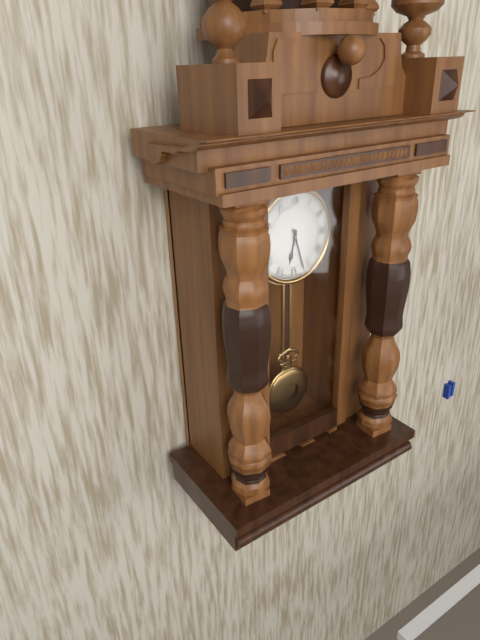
**6:27**
